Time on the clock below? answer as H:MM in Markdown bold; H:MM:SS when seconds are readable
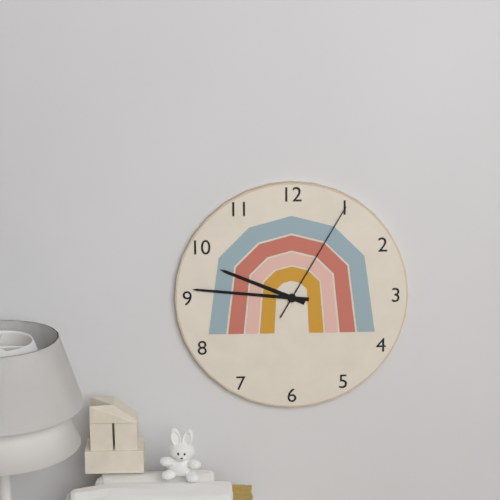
**9:46:05**
